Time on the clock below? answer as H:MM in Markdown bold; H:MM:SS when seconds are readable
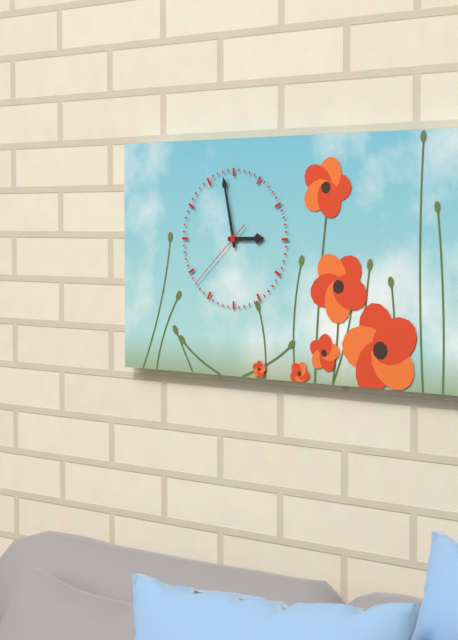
**2:58:38**
